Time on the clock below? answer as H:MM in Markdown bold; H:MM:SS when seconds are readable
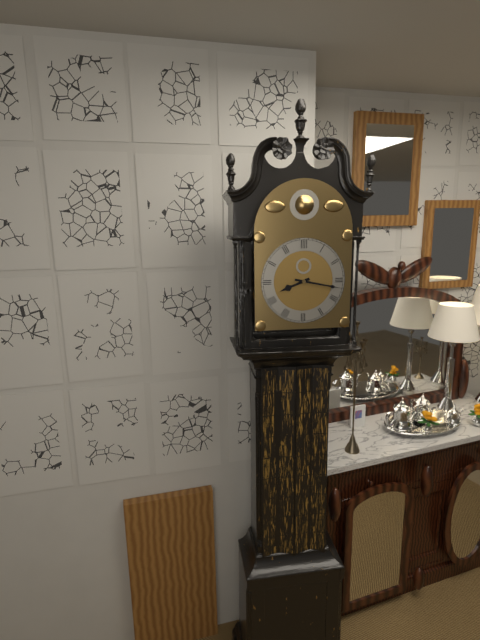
**8:17**
